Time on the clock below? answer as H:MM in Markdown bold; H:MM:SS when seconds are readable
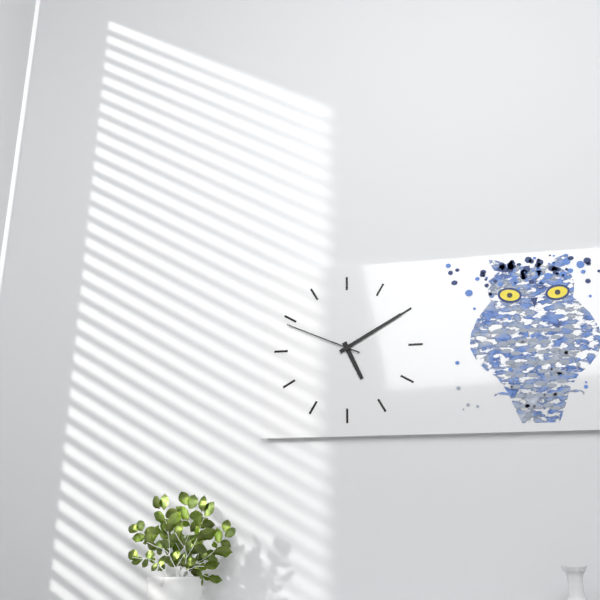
**5:10:49**
